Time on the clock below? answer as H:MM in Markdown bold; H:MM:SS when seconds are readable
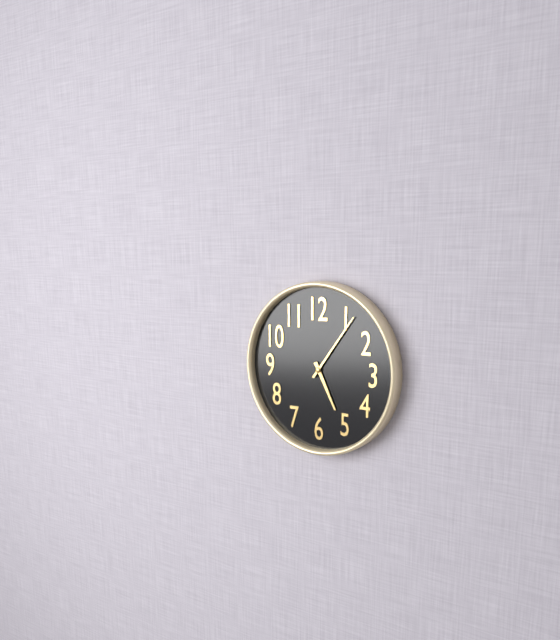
**5:06**
